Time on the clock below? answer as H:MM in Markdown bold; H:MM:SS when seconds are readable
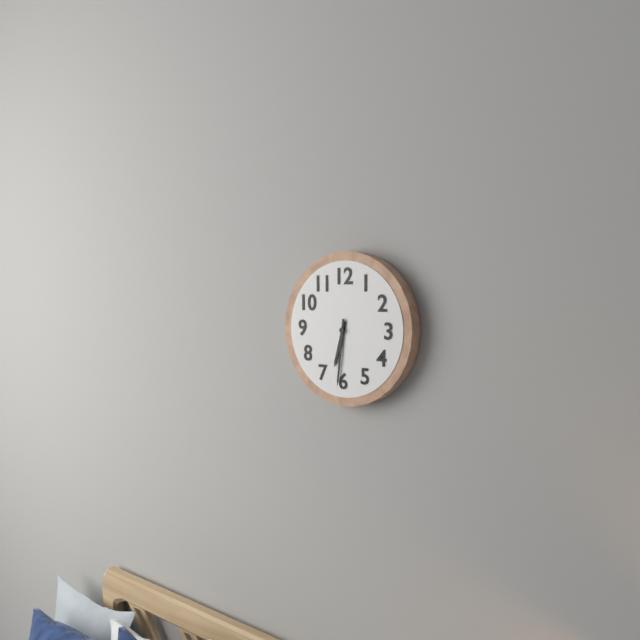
**6:31**
